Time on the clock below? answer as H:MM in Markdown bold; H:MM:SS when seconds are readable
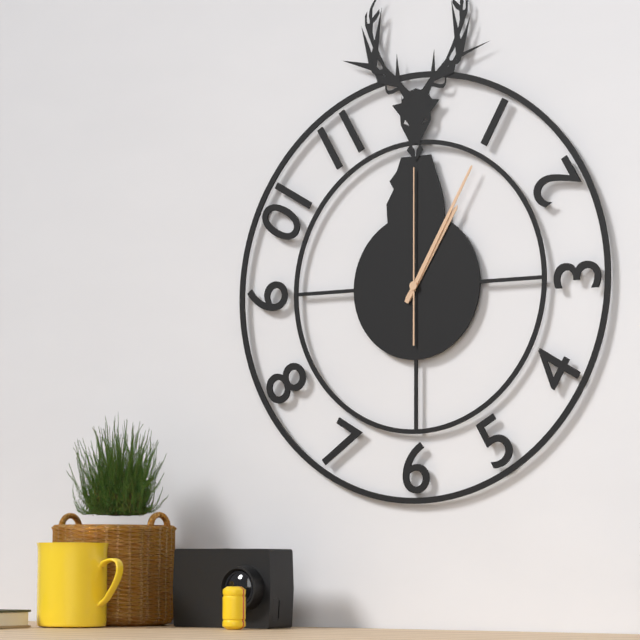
**1:05:00**
